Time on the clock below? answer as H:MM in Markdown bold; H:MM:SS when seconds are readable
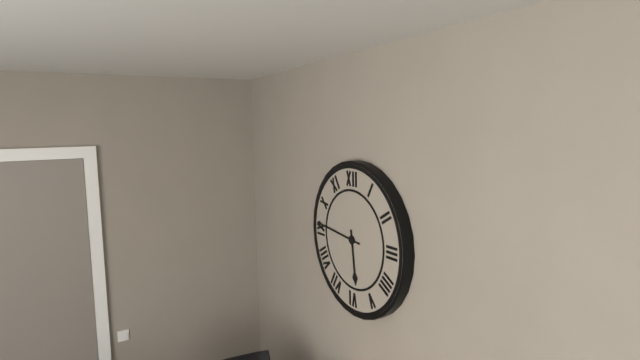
**5:46**
